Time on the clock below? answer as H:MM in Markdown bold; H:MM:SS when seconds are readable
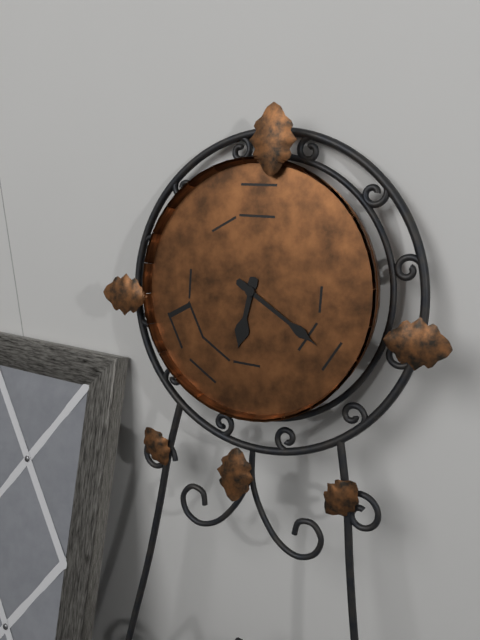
**6:20**
